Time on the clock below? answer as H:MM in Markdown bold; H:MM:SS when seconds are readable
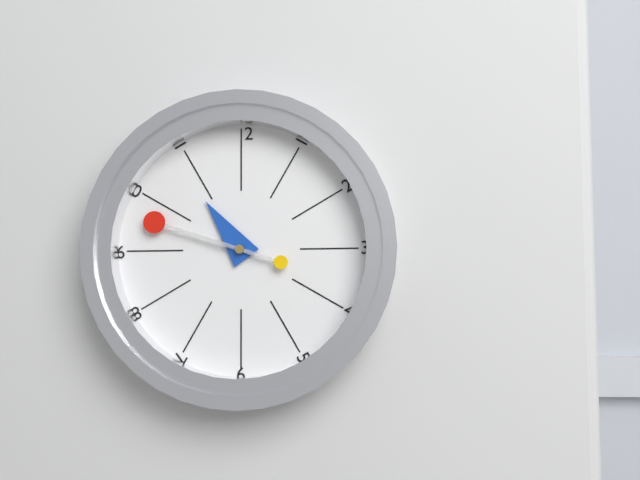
**10:48**
